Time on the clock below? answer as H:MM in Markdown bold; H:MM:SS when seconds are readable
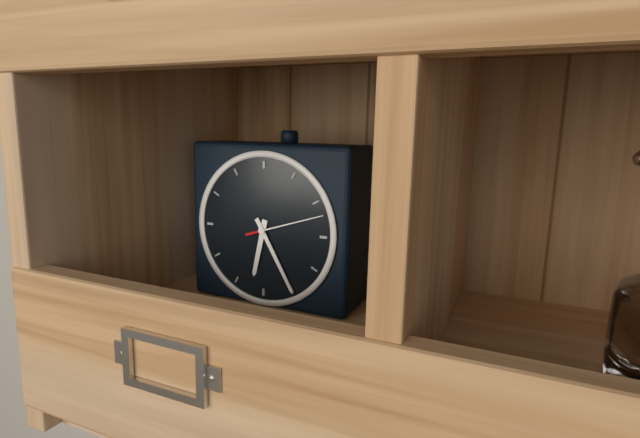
**6:25:12**
